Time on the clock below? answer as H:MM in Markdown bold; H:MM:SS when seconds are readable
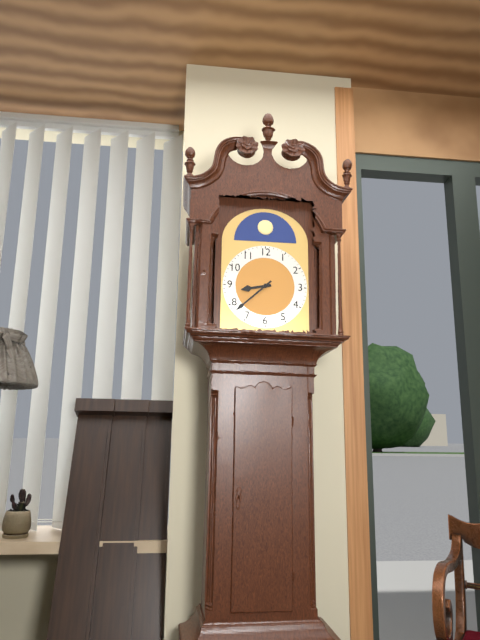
**8:38**
